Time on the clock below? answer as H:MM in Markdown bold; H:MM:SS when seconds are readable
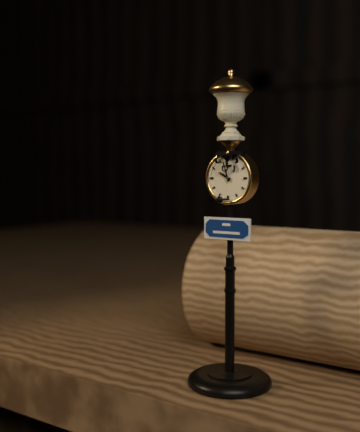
**9:57**
